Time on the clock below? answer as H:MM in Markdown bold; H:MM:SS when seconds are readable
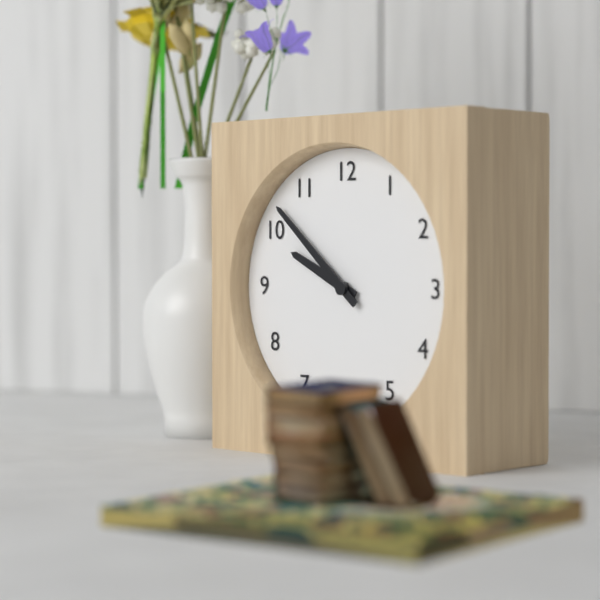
**9:52**
